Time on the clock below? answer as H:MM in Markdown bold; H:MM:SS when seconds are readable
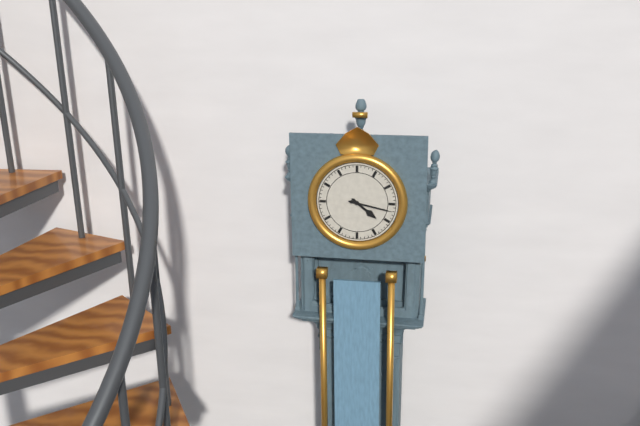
**4:17**
